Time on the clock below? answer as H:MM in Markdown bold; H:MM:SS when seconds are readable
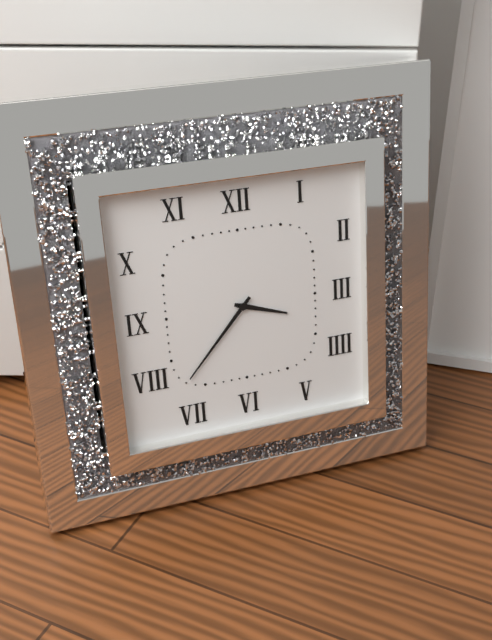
**3:37**
